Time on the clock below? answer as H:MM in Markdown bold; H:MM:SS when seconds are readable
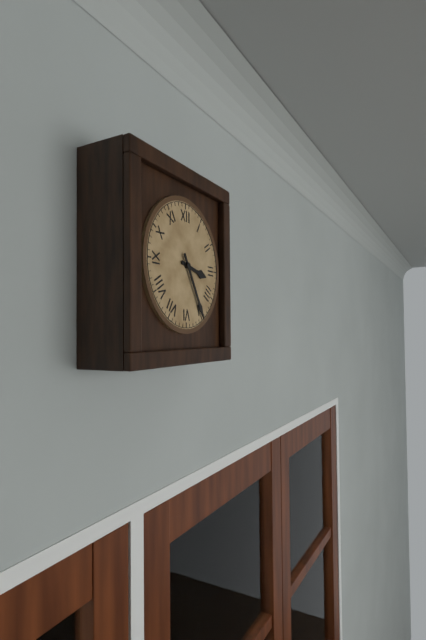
**3:25**
